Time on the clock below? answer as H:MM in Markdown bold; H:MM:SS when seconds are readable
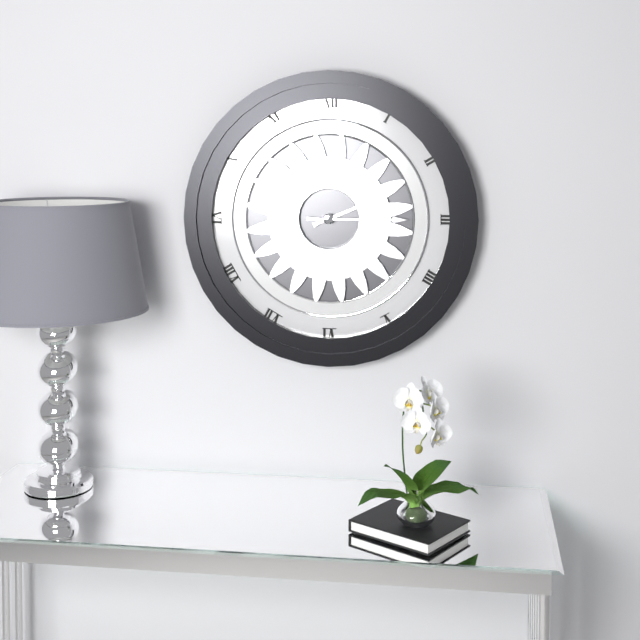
**2:15**
